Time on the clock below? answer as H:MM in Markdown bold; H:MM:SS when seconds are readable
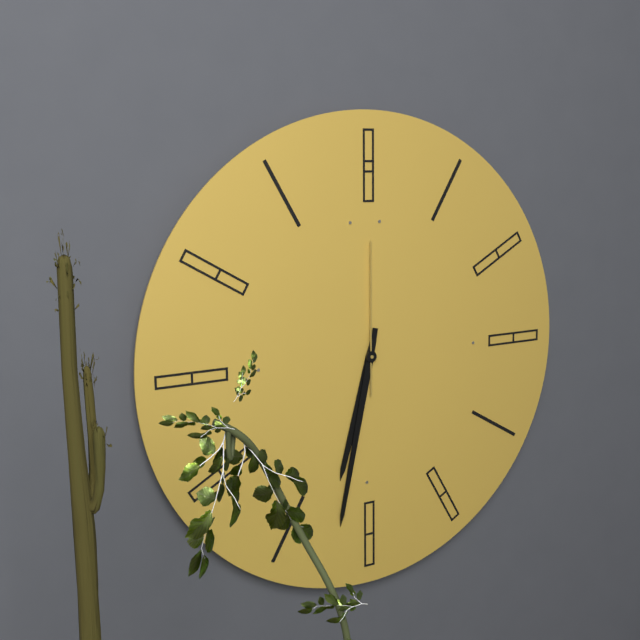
**6:32:00**
